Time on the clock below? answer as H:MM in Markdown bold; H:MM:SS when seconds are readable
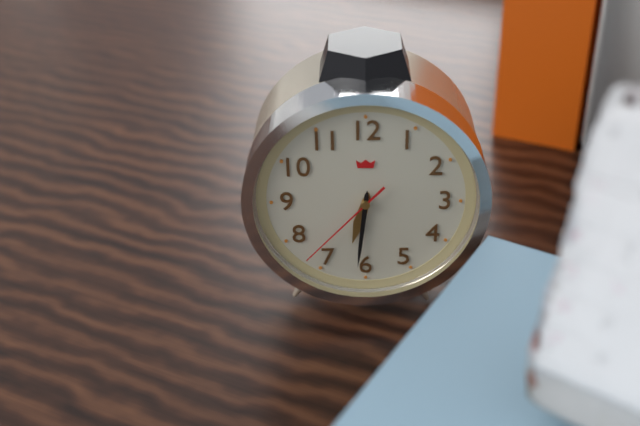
**6:31:37**
